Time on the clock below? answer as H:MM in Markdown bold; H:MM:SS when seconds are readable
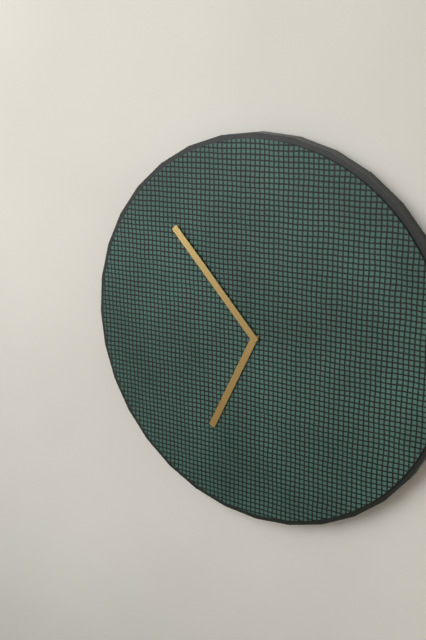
**6:53**
